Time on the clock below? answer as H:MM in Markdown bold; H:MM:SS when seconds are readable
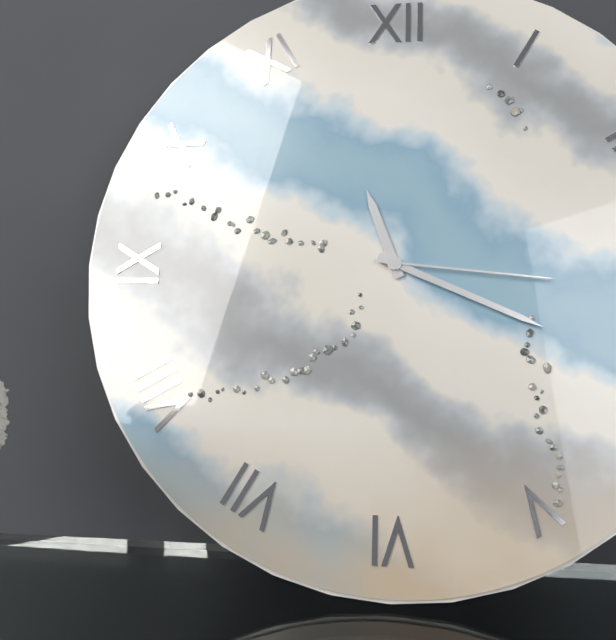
**11:19:16**
